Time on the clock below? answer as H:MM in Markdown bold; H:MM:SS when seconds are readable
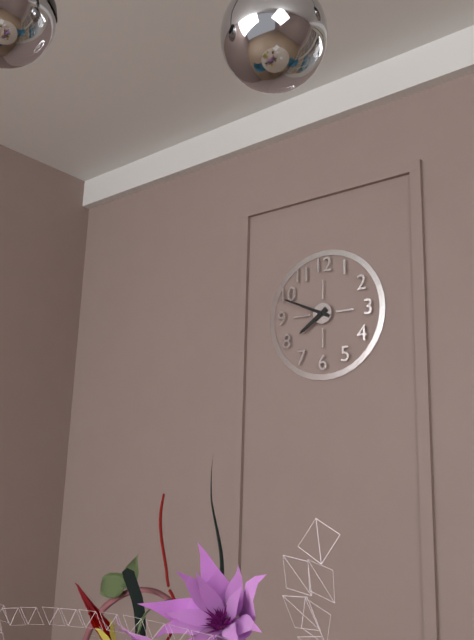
**7:49**
